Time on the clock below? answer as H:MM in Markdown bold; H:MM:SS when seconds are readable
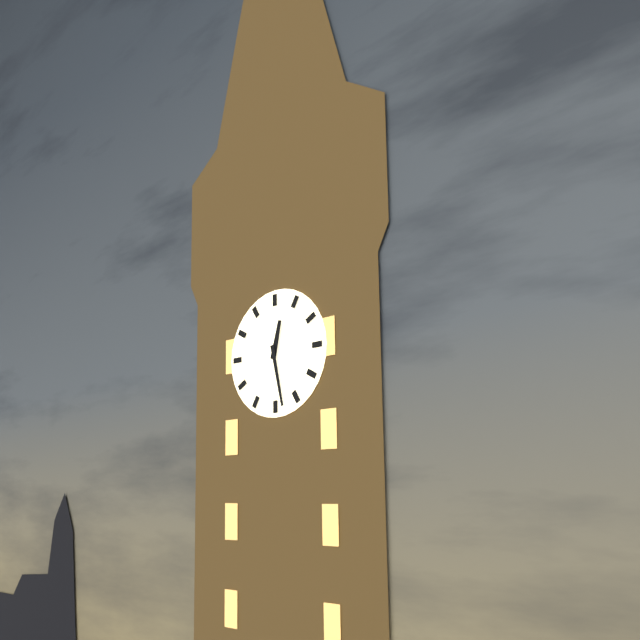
**12:28**
